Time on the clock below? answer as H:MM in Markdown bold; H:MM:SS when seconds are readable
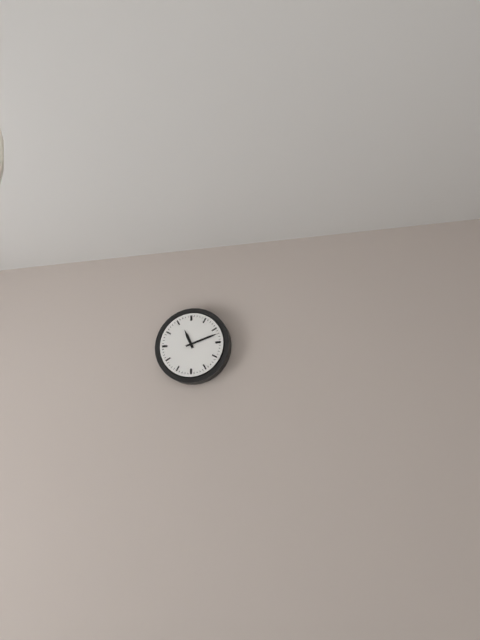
**11:12**
